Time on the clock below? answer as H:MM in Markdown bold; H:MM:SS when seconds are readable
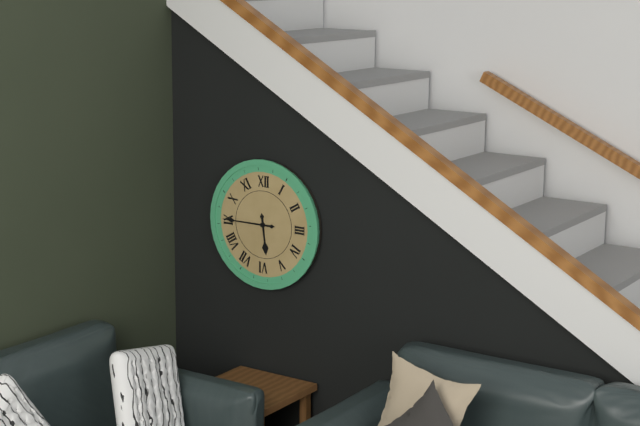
**5:45**
